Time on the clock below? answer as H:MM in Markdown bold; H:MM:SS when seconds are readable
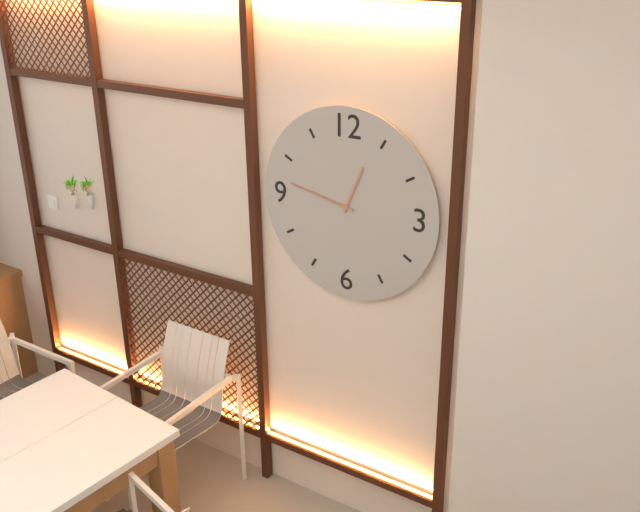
**12:47**
